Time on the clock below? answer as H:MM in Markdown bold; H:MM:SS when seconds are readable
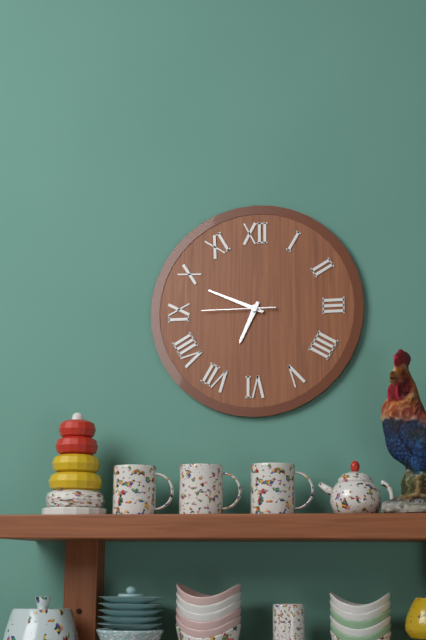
**6:49:45**
